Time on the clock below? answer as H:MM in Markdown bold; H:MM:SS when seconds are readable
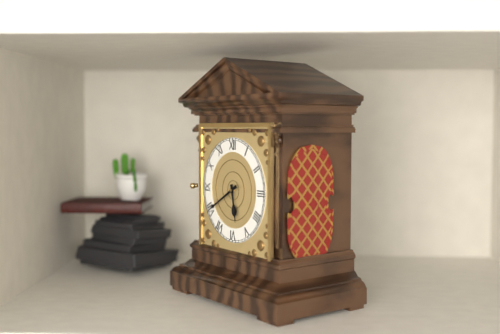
**5:40**
